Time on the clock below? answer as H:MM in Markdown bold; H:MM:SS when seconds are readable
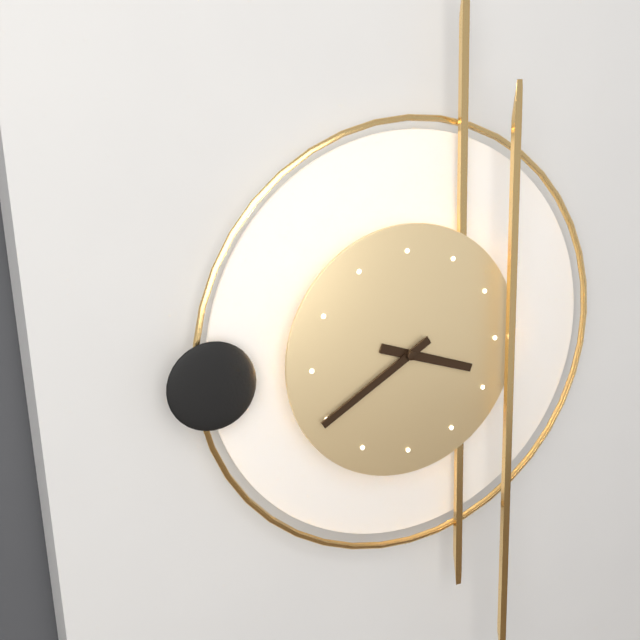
**3:40**
